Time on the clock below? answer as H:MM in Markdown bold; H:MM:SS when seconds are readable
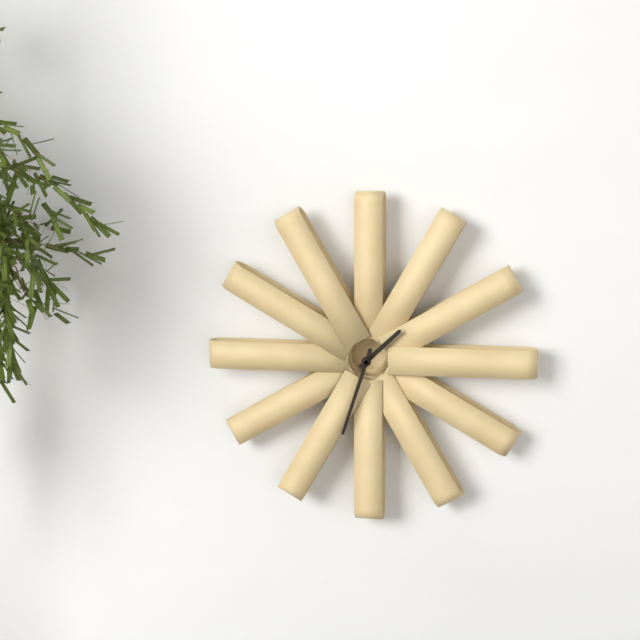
**1:33**
